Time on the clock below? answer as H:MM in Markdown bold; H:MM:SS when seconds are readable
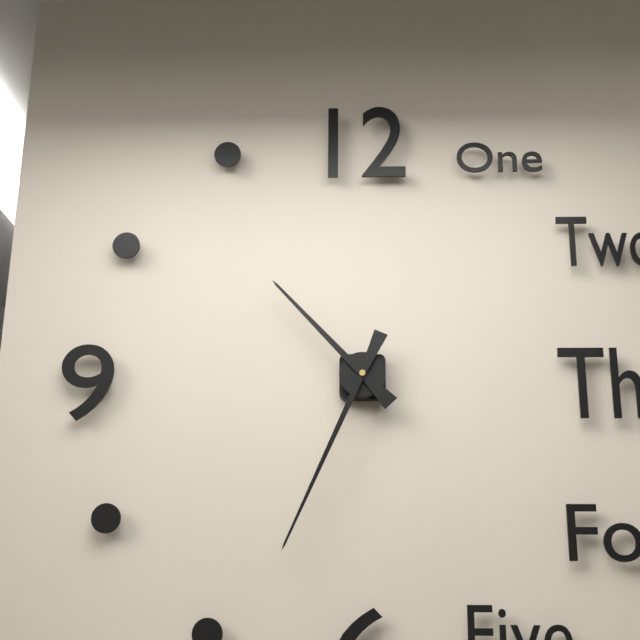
**10:34**
